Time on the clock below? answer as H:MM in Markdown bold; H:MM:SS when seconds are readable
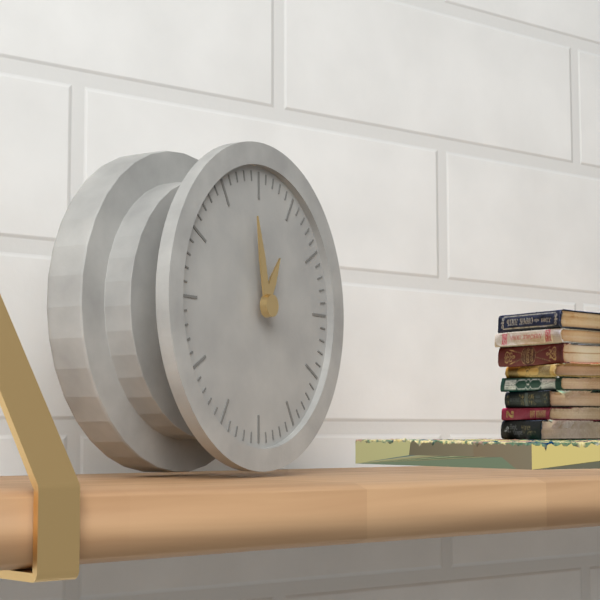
**12:58**
